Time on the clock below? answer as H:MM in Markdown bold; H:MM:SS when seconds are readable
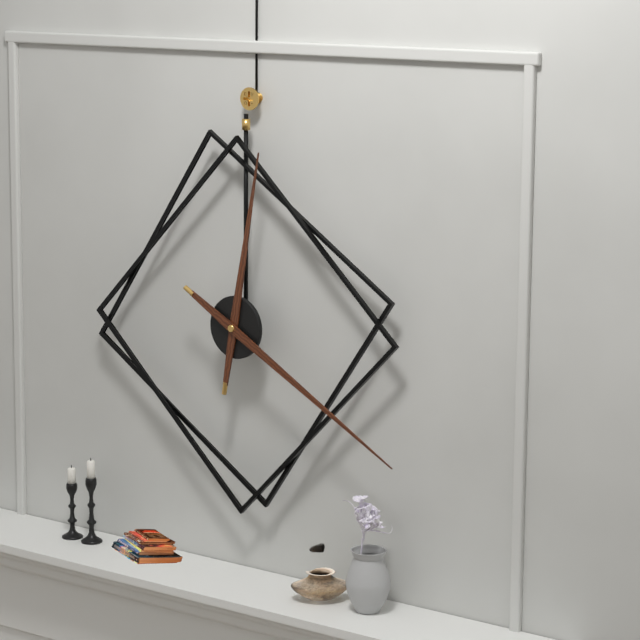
**12:20**
